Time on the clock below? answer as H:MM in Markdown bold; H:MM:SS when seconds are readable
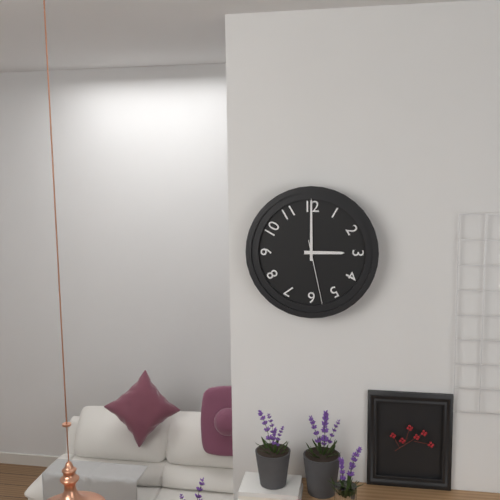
**3:00:28**
